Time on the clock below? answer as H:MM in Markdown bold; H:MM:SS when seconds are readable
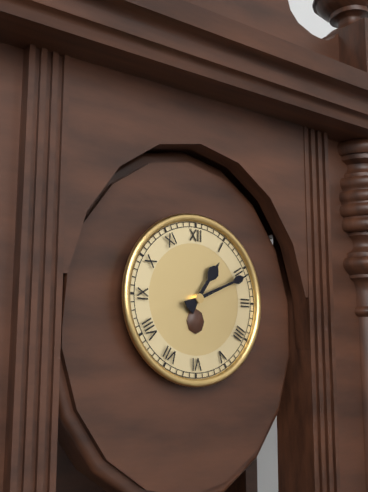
**1:11**
